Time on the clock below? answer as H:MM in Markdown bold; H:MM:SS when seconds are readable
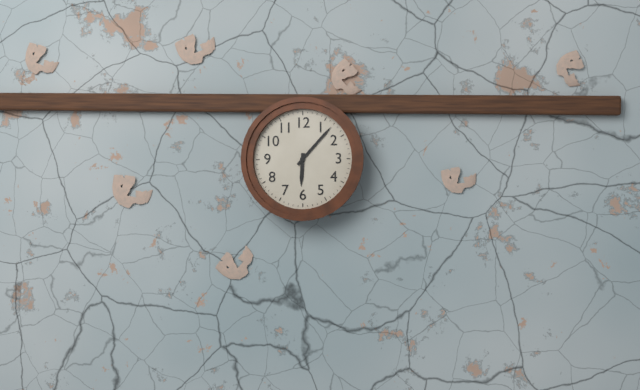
**6:07**
